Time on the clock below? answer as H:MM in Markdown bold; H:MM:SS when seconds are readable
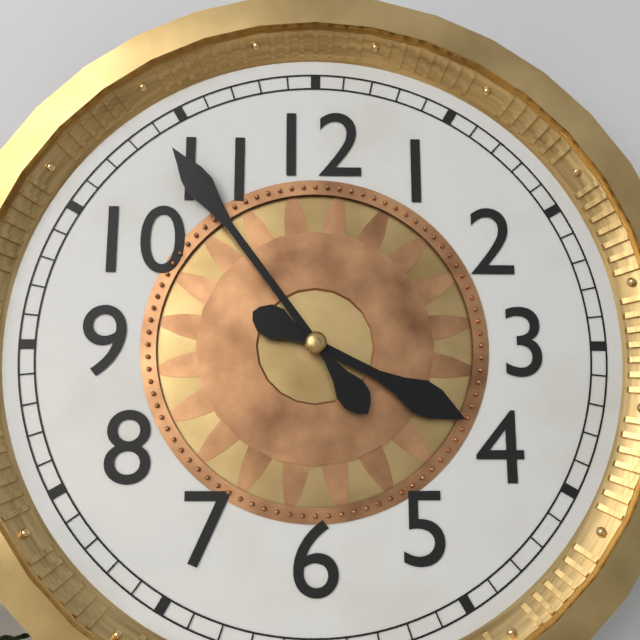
**3:54**
